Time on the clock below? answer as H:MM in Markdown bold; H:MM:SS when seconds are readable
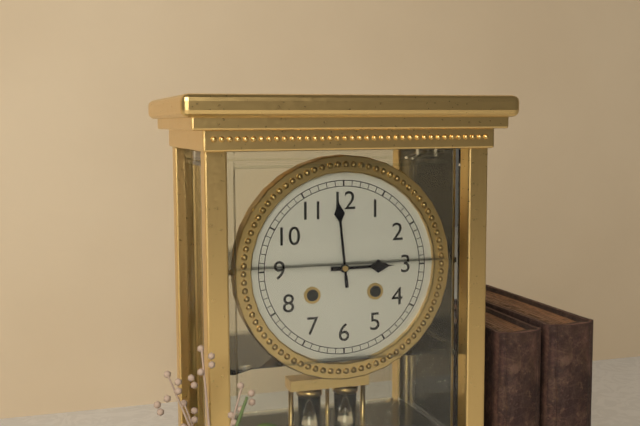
**2:59**
